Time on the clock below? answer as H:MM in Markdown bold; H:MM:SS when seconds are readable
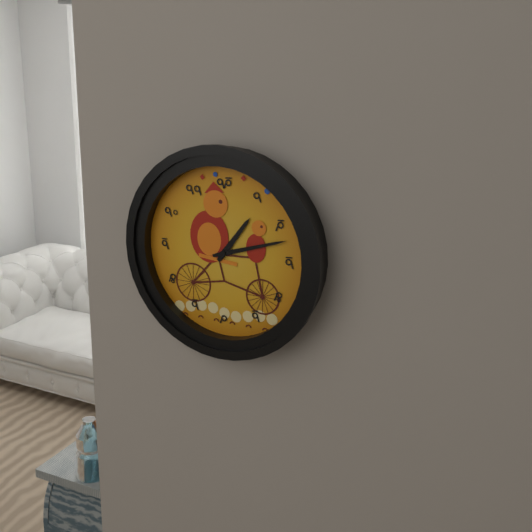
**1:12**
